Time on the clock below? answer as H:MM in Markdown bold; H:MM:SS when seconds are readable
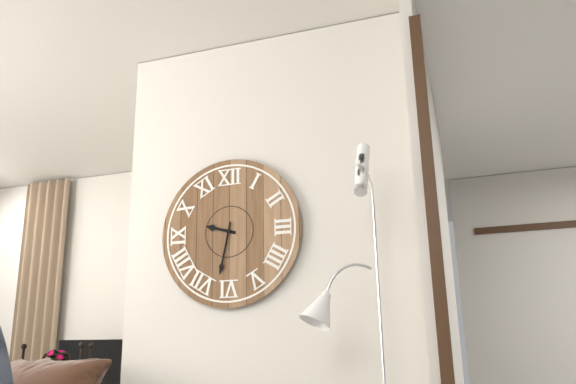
**9:32**
